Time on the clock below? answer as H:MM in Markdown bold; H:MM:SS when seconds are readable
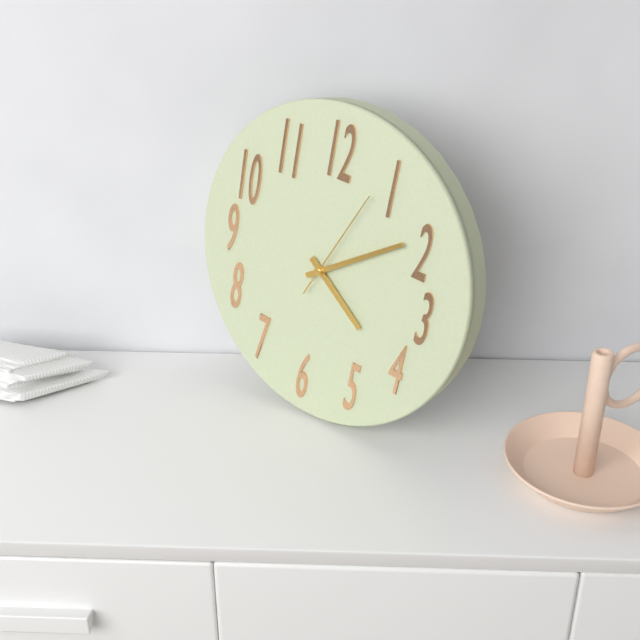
**4:09:04**
